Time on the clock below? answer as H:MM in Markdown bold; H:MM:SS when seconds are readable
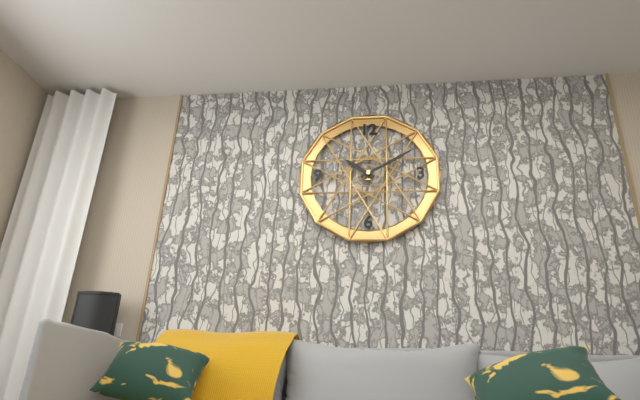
**10:10**
